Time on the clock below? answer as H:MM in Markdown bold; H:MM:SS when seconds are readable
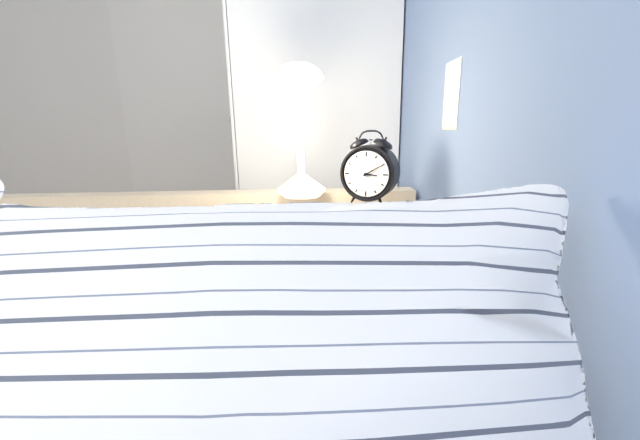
**3:10**
